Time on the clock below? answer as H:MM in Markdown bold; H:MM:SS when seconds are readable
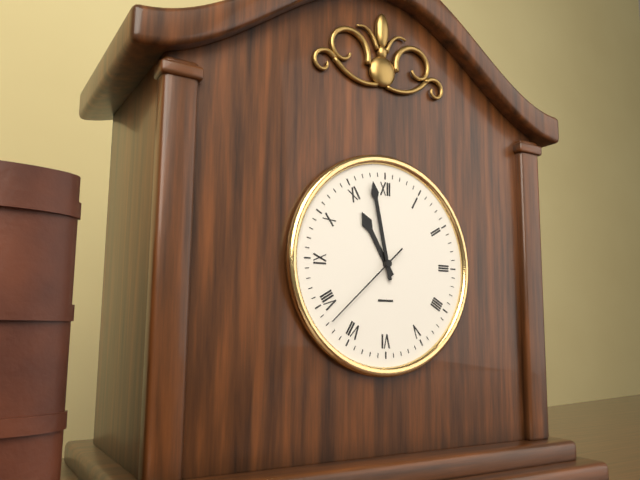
**10:58:38**
